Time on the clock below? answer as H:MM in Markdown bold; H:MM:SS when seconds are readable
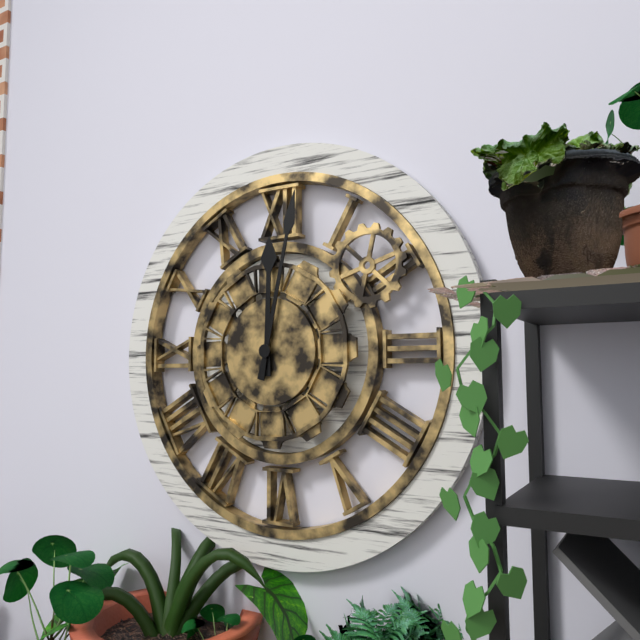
**12:02**
